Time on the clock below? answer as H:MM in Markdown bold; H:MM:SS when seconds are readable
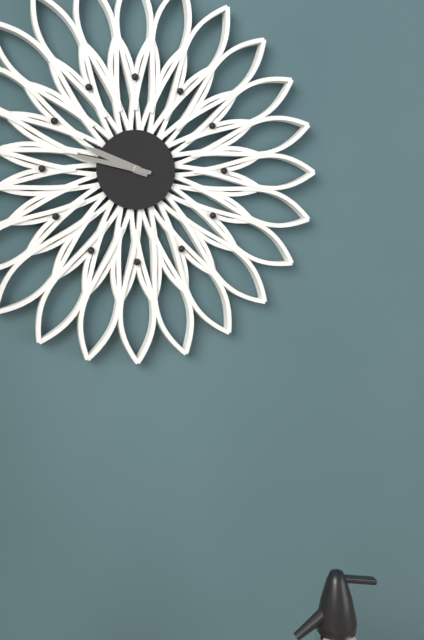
**9:47**
